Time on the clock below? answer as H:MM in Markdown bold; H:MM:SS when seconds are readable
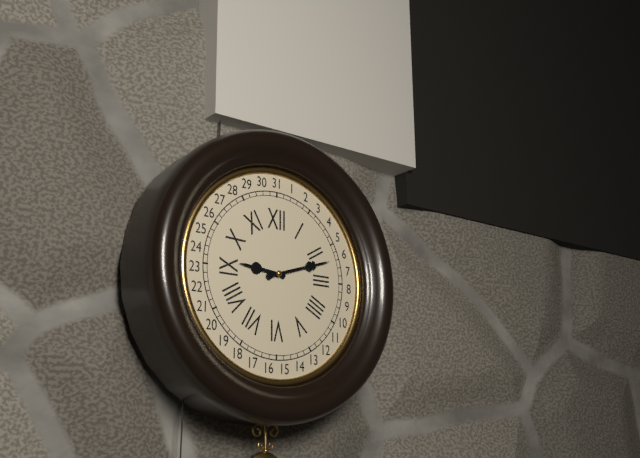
**9:12**
